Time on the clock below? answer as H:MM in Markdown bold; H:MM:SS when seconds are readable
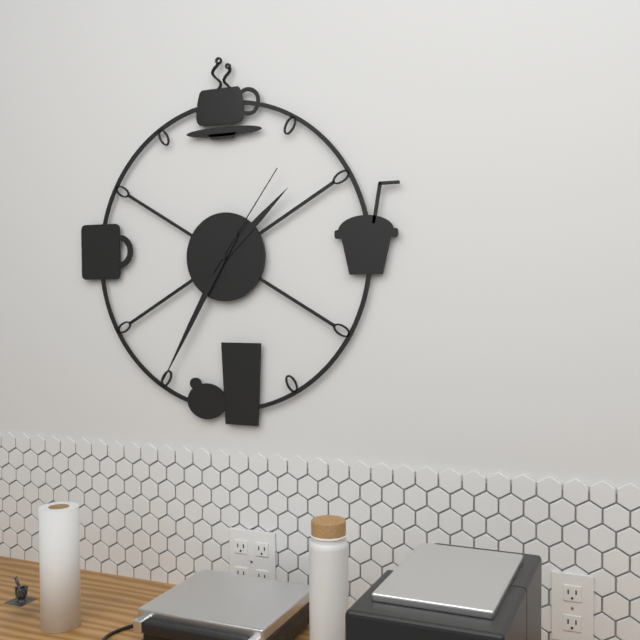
**1:35:06**
